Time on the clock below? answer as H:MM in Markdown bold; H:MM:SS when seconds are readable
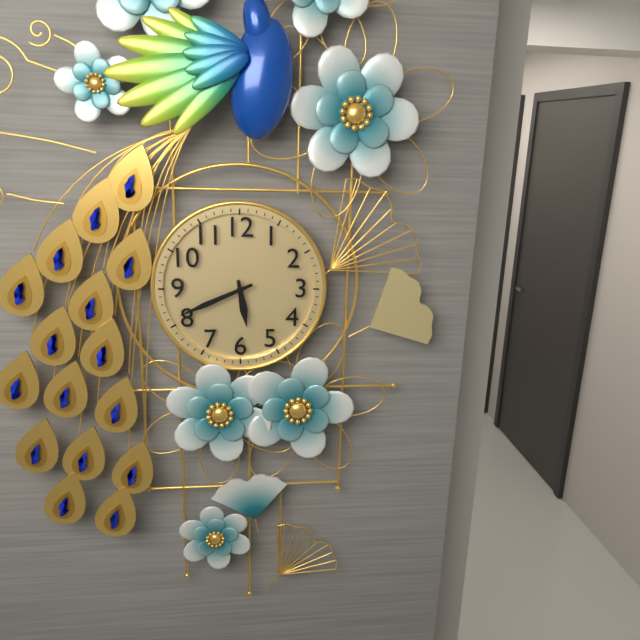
**5:41**
